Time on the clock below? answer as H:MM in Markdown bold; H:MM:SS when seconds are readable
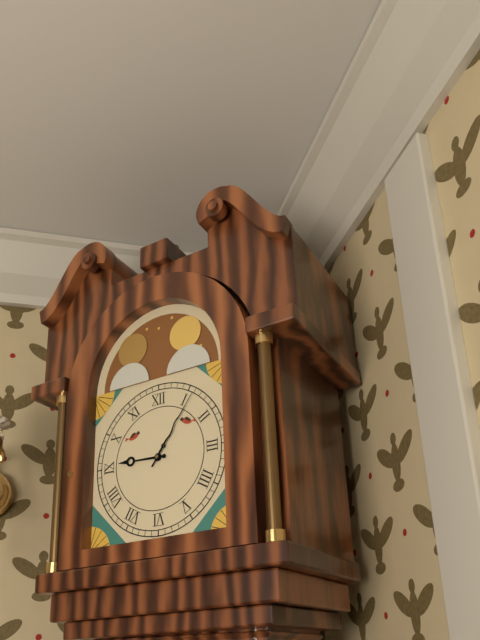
**9:06**
